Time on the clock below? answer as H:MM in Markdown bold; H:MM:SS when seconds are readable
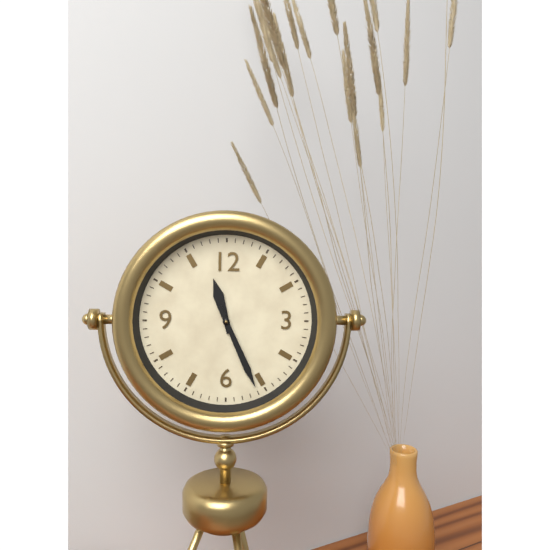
**11:26**
